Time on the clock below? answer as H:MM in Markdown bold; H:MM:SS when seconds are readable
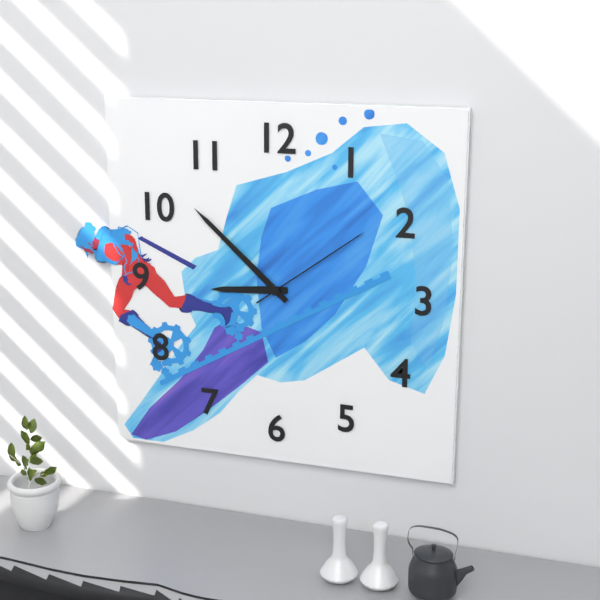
**8:52:09**
